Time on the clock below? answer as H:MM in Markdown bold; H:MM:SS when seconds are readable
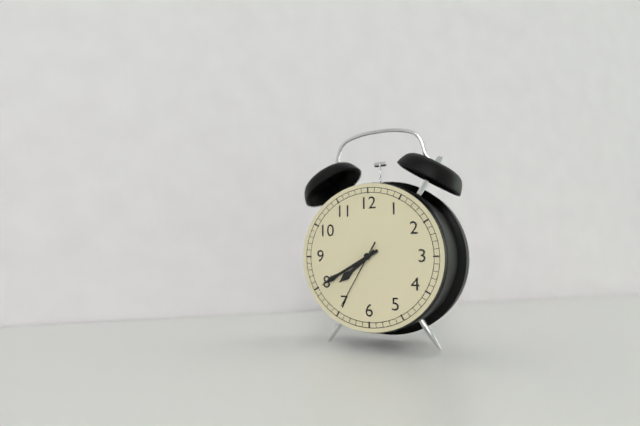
**7:40:35**
